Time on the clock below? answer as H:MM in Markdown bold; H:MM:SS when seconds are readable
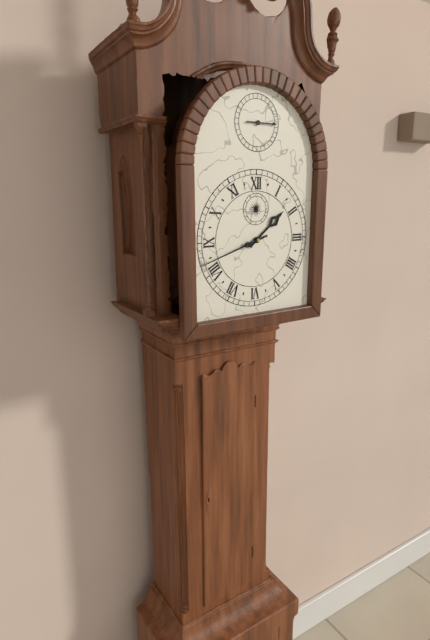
**1:42**
